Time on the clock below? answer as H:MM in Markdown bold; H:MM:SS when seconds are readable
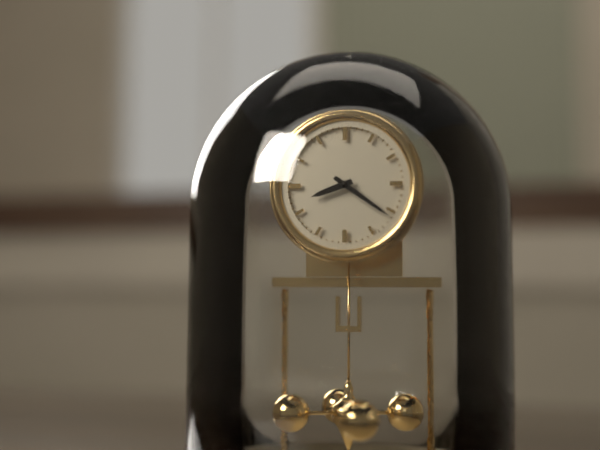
**8:21**
